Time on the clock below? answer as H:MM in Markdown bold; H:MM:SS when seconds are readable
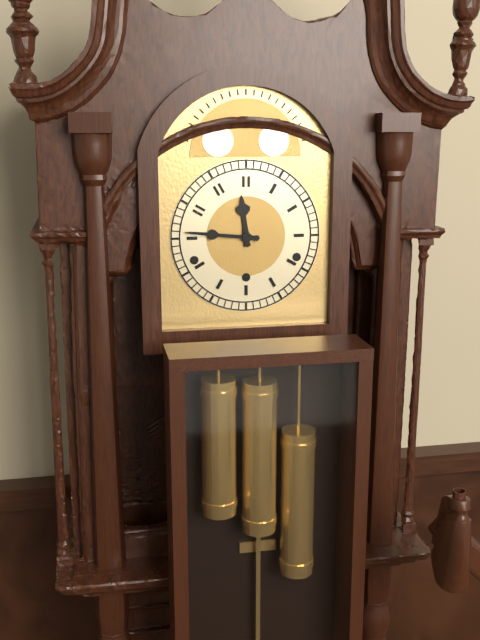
**11:46**
